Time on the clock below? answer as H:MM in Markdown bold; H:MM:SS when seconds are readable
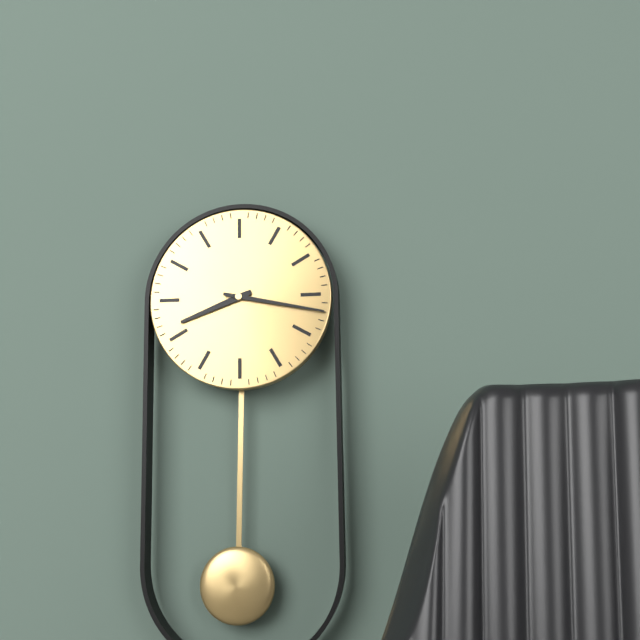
**8:17**
